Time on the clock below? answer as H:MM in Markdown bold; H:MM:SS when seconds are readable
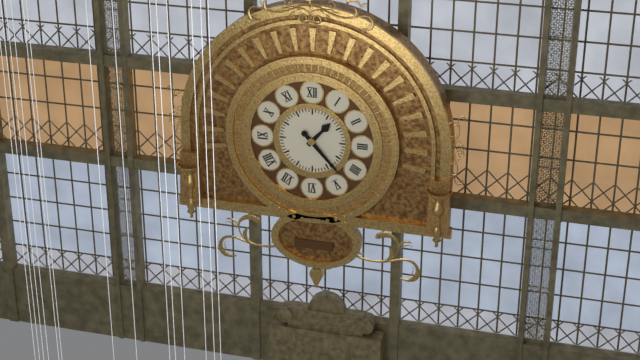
**1:23**
